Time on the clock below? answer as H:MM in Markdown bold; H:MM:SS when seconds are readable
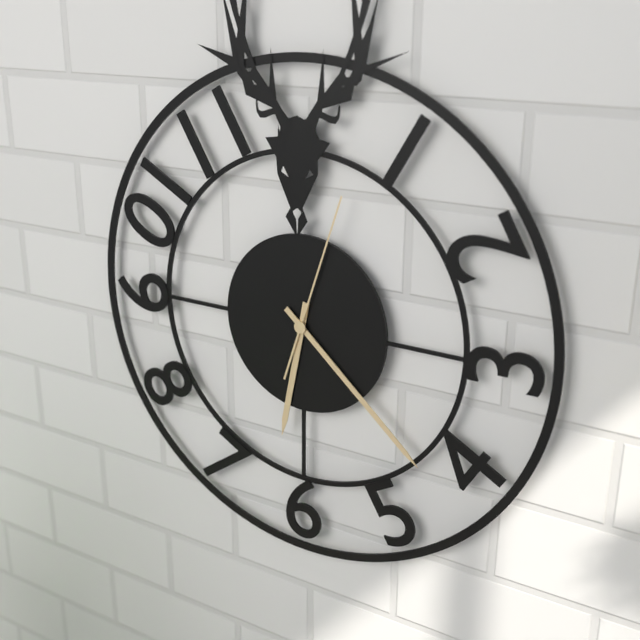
**6:22:03**
